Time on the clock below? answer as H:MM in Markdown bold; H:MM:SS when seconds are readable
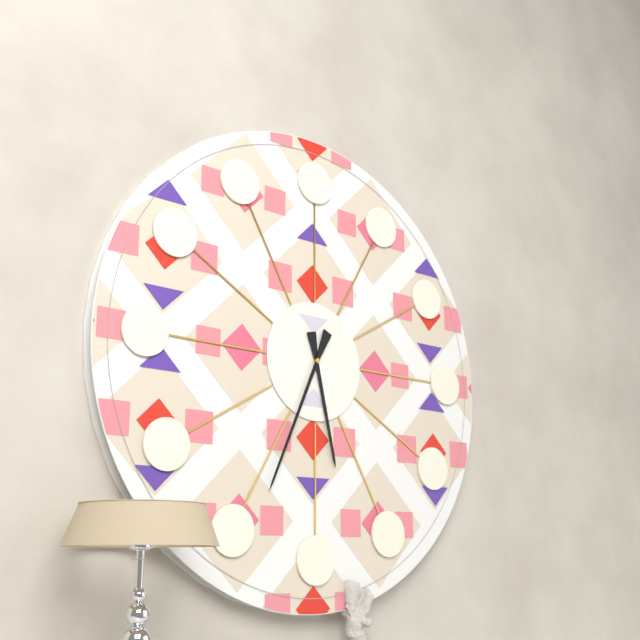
**5:34**
